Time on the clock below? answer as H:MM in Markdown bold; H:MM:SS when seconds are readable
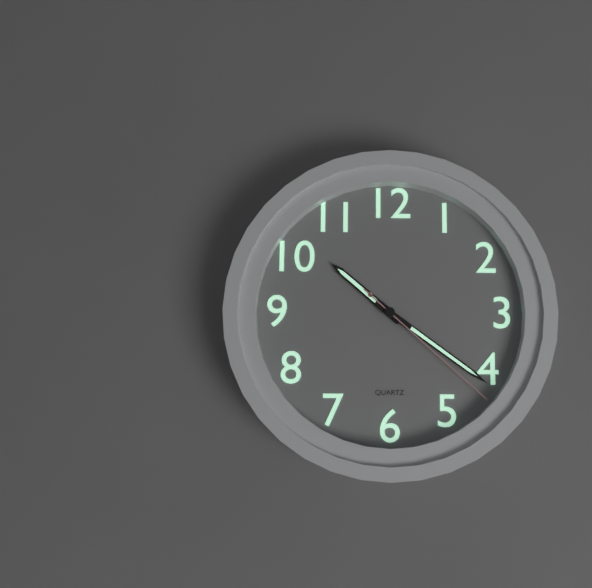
**10:21:22**
